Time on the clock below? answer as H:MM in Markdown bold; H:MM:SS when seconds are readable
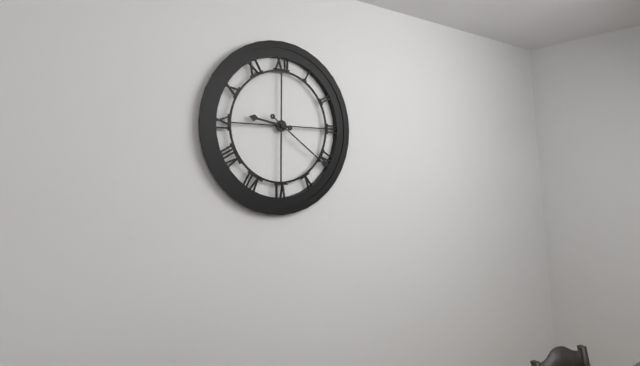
**9:21**
